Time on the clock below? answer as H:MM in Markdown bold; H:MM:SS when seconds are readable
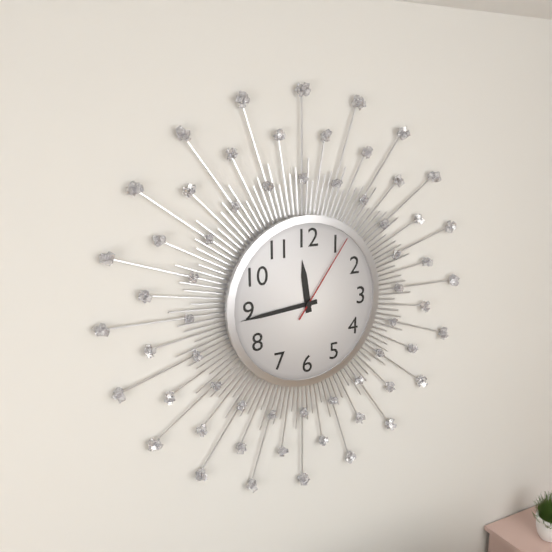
**11:44:06**
